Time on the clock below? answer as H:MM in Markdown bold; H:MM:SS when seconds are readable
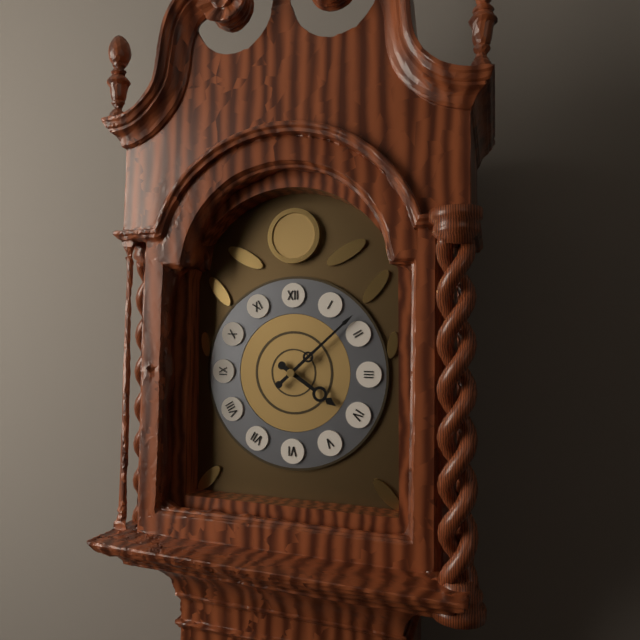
**4:08**
